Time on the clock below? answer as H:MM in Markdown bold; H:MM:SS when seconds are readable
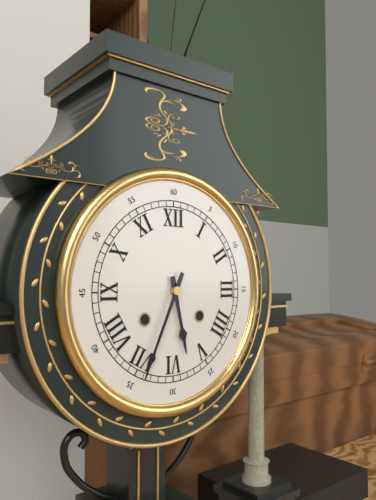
**5:34**
